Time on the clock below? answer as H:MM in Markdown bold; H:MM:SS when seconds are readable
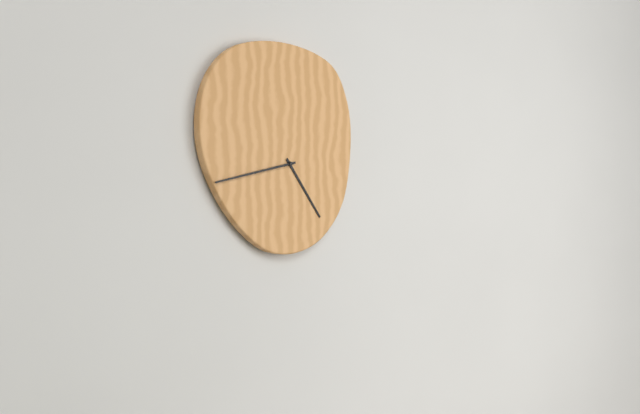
**4:43**
